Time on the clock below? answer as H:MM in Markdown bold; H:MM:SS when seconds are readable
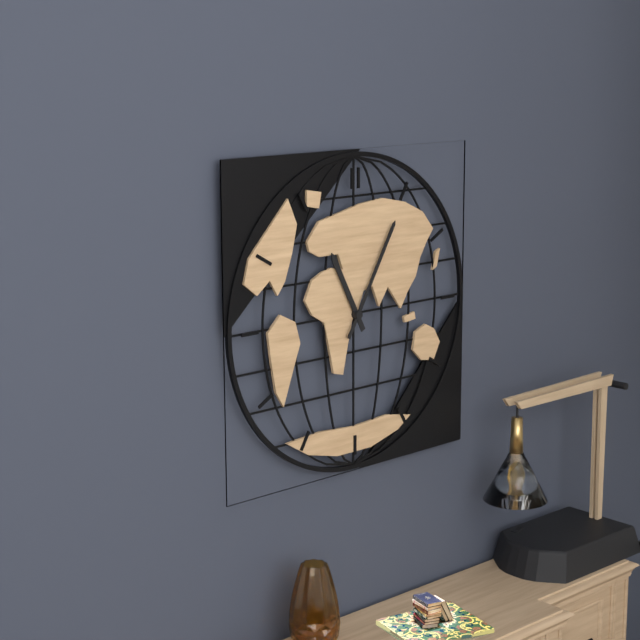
**11:05**
